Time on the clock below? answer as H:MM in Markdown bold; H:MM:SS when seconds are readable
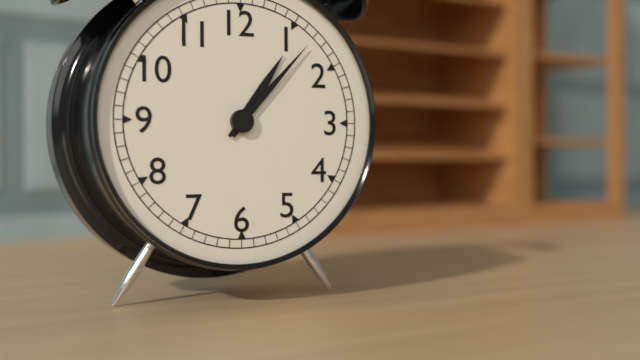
**1:07**
